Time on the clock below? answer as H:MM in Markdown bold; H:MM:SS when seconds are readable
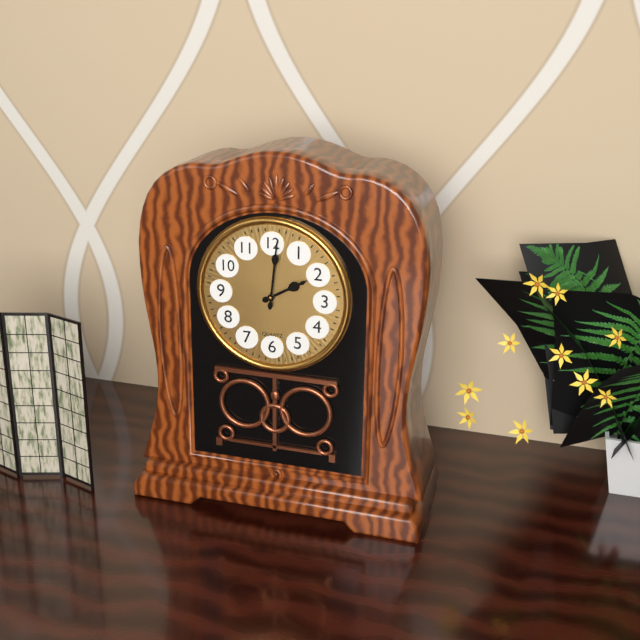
**2:01**
